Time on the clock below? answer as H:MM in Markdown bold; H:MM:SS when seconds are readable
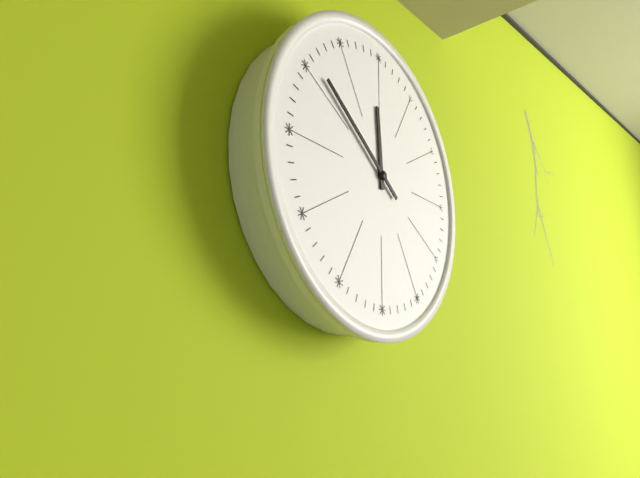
**11:51**
